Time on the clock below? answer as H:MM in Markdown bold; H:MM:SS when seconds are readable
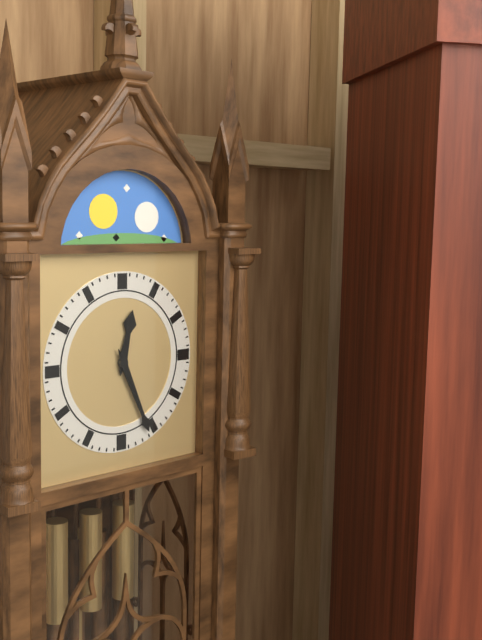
**12:26**
